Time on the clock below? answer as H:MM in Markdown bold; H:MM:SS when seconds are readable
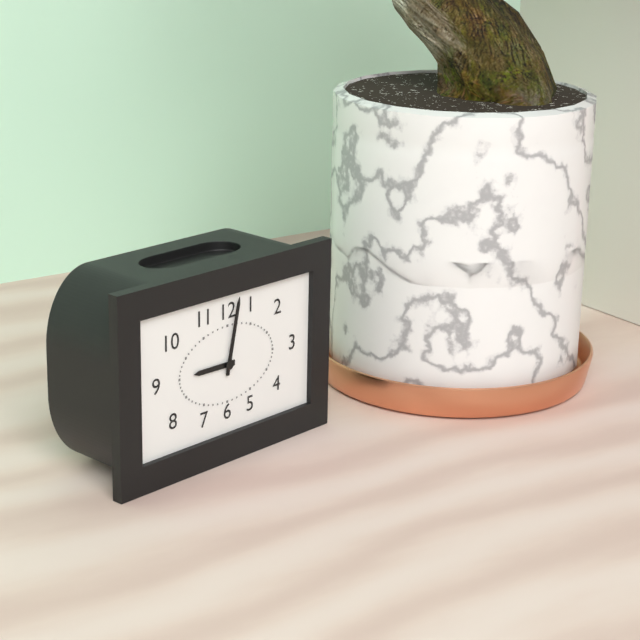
**9:02**
